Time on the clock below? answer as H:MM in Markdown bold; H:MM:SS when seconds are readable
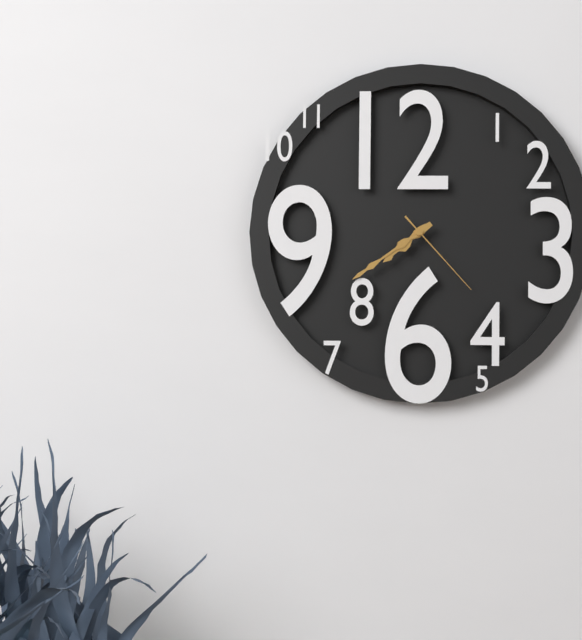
**7:39:23**
